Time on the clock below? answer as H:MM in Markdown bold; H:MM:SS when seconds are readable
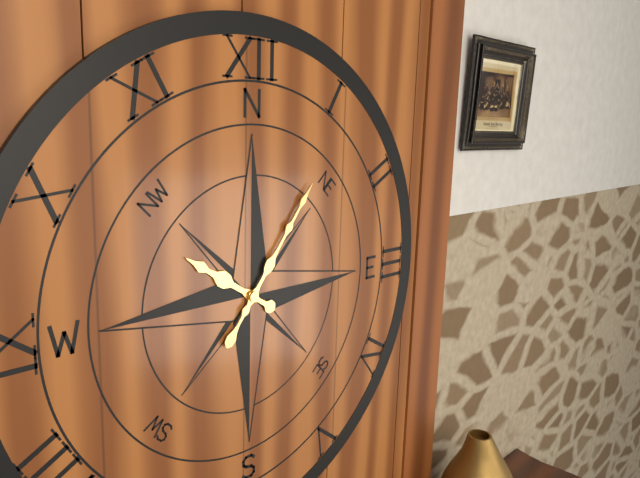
**10:06**
